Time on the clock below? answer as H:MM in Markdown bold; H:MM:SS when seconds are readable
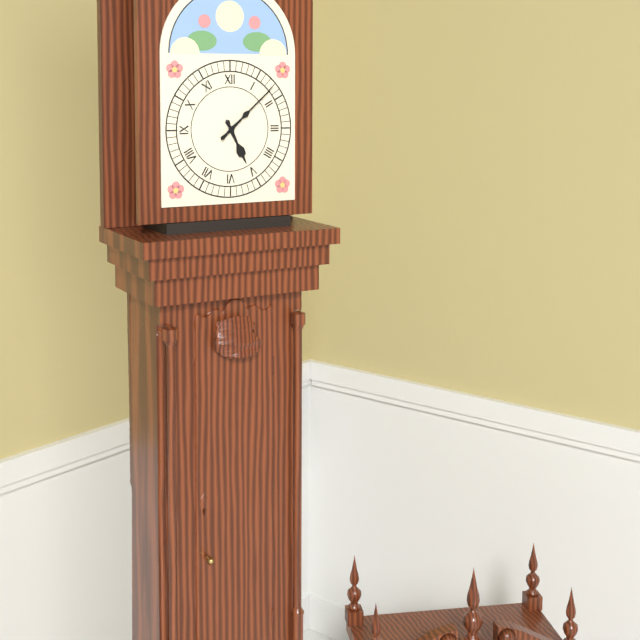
**5:08**
